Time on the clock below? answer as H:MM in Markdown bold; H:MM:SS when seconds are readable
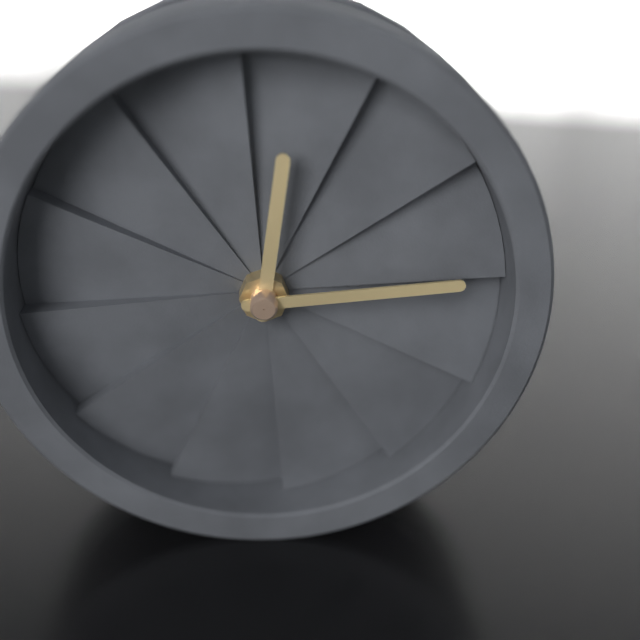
**12:14**
